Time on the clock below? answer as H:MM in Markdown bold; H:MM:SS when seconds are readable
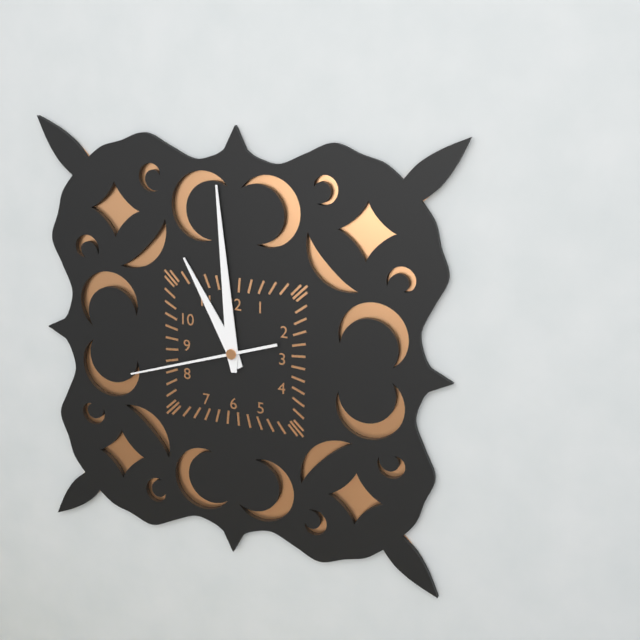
**10:59:42**
